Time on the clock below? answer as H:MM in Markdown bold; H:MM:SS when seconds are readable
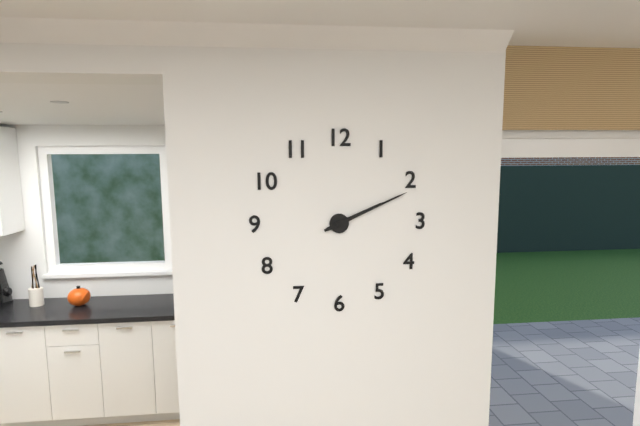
**2:11**
